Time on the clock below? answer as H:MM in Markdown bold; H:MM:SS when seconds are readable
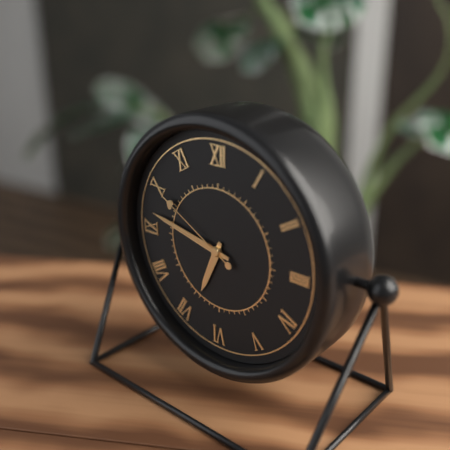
**6:47:50**
